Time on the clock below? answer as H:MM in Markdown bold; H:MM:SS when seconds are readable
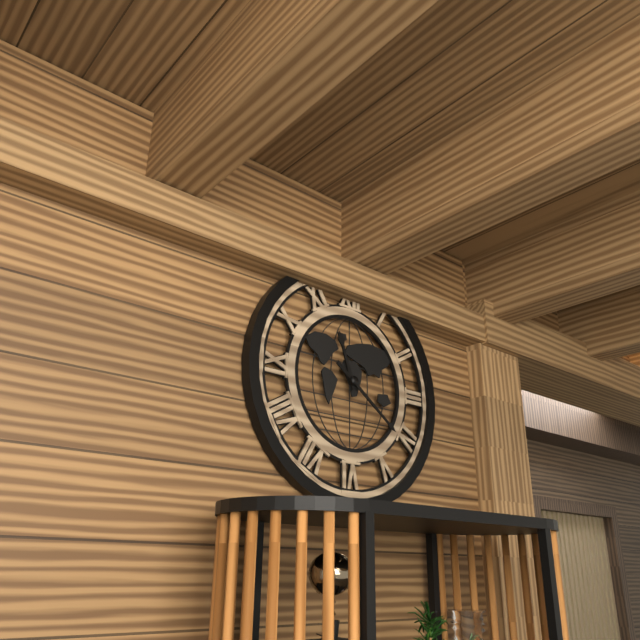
**11:21**
